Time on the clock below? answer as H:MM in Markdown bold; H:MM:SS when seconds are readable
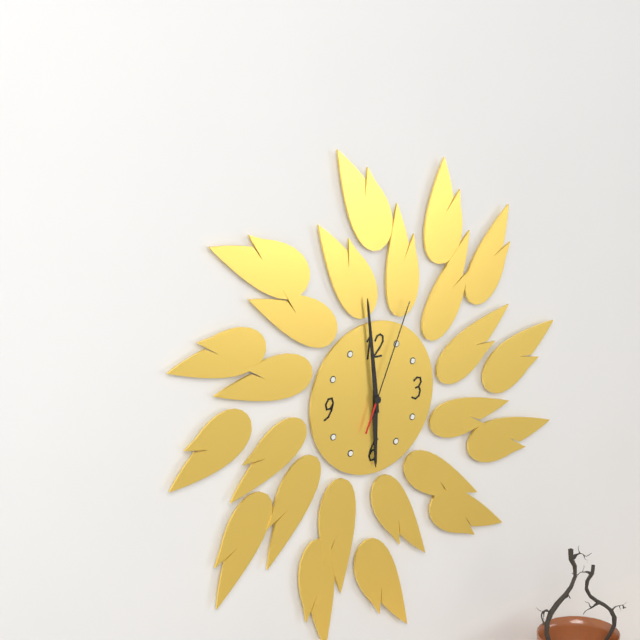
**5:59:04**
